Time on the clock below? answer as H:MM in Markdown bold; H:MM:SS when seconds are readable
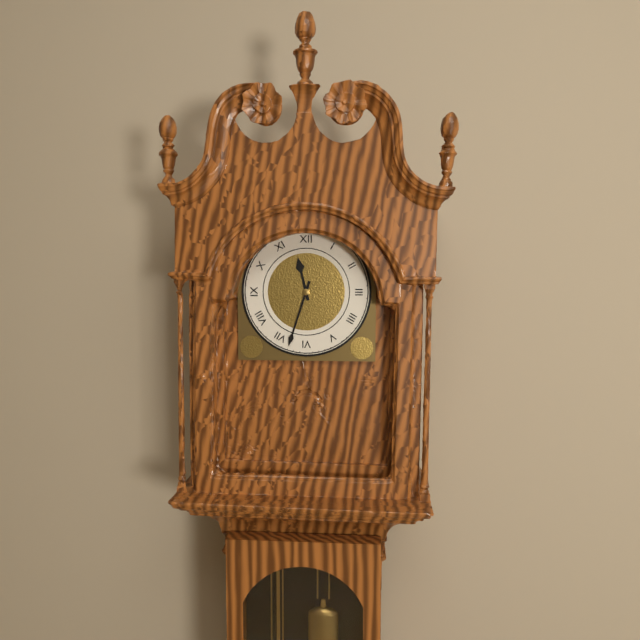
**11:33**
